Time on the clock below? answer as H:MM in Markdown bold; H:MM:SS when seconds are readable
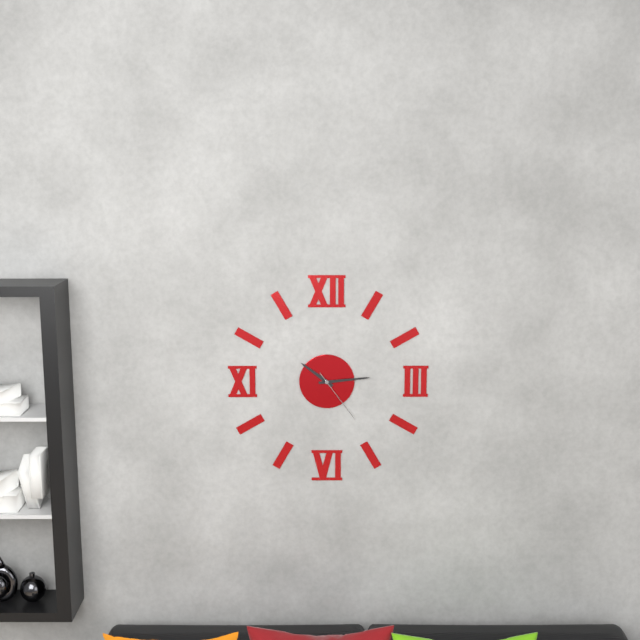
**10:14:24**
